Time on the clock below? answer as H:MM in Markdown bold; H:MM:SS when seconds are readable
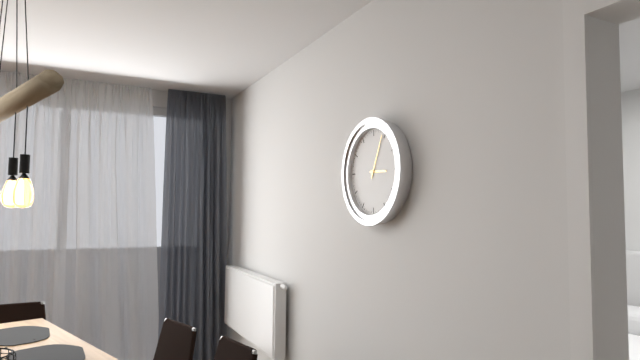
**3:04**
